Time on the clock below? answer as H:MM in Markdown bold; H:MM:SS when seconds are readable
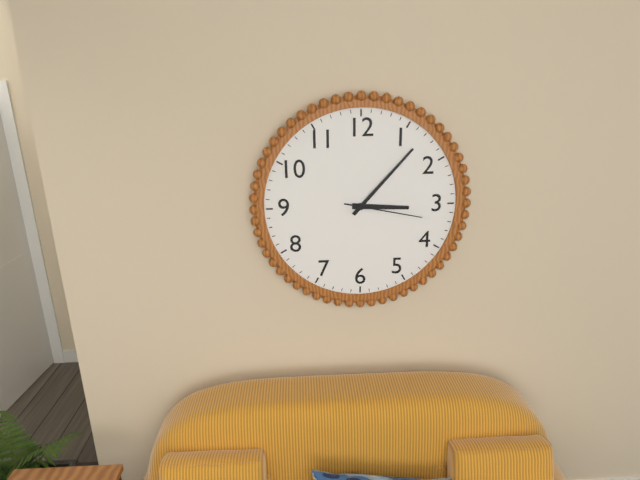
**3:07:17**
